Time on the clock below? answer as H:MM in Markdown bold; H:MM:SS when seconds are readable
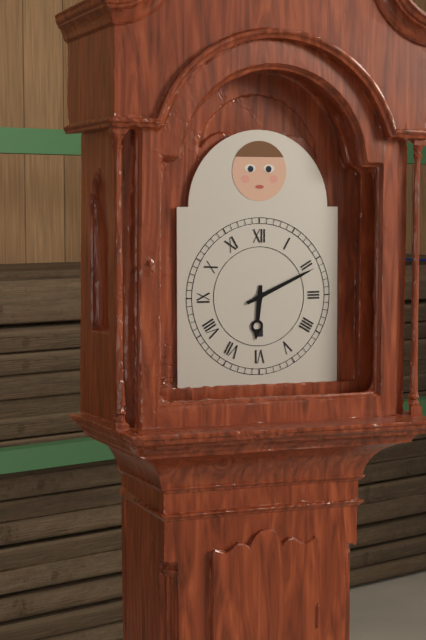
**6:11**
